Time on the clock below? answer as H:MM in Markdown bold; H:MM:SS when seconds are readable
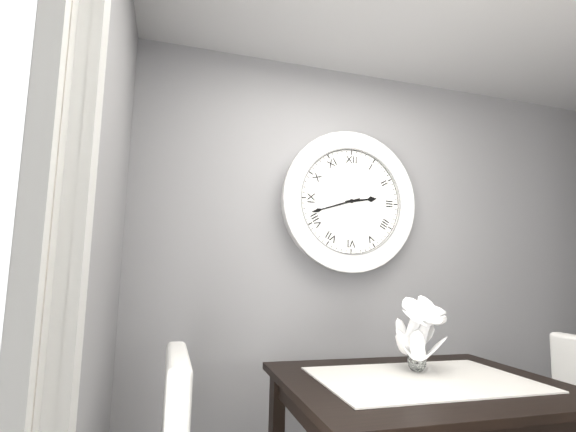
**2:42**
